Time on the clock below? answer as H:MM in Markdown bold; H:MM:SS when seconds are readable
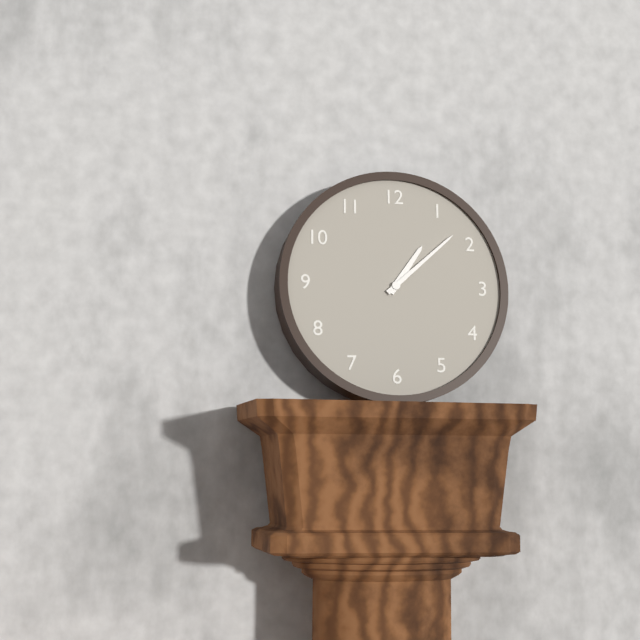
**1:08**
